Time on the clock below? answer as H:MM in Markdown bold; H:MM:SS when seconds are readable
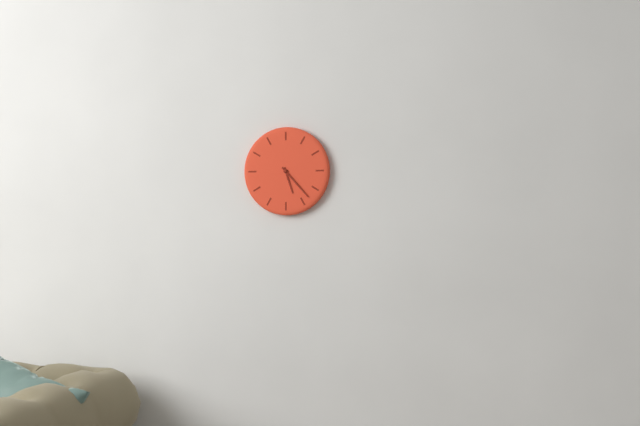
**5:23**
